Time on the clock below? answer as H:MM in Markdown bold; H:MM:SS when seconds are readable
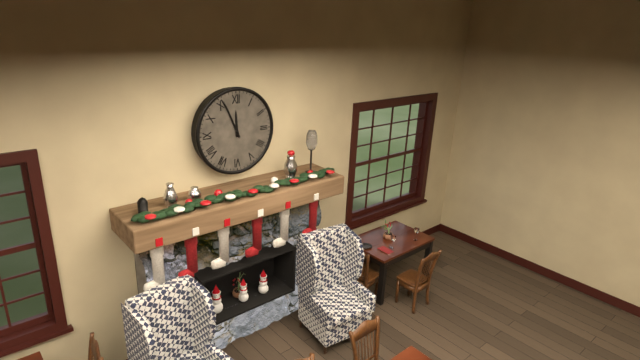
**11:56**
